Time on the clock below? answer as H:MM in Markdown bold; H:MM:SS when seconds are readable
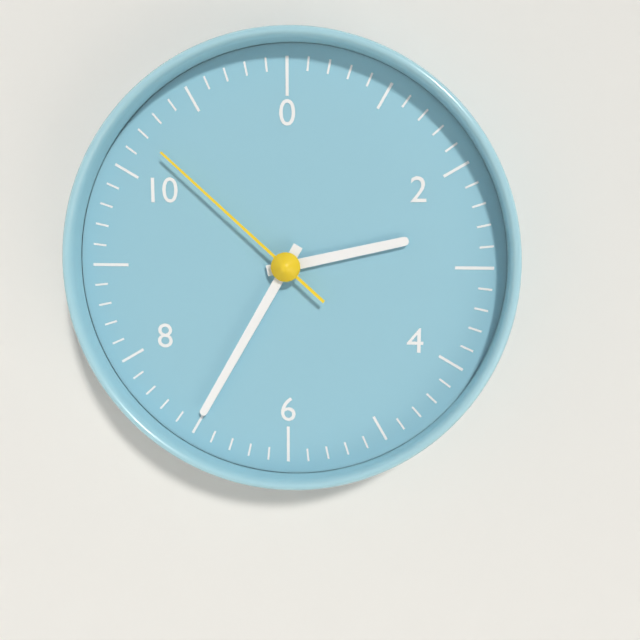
**2:35:52**
